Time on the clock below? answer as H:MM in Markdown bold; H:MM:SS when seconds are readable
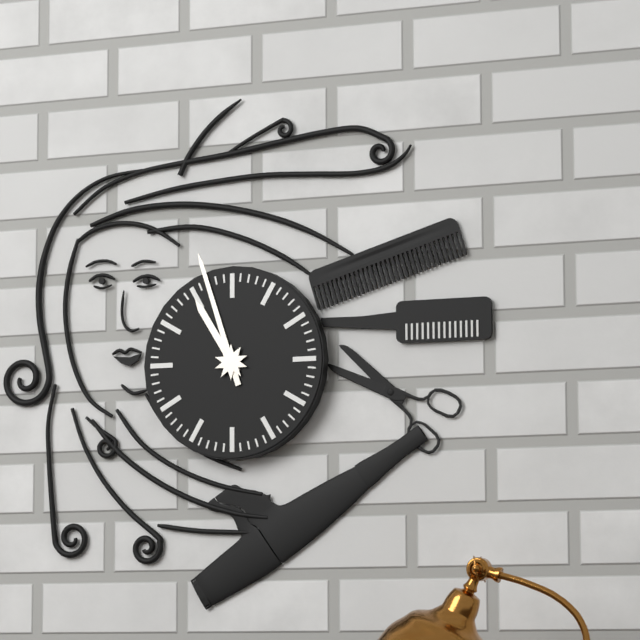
**10:57**
